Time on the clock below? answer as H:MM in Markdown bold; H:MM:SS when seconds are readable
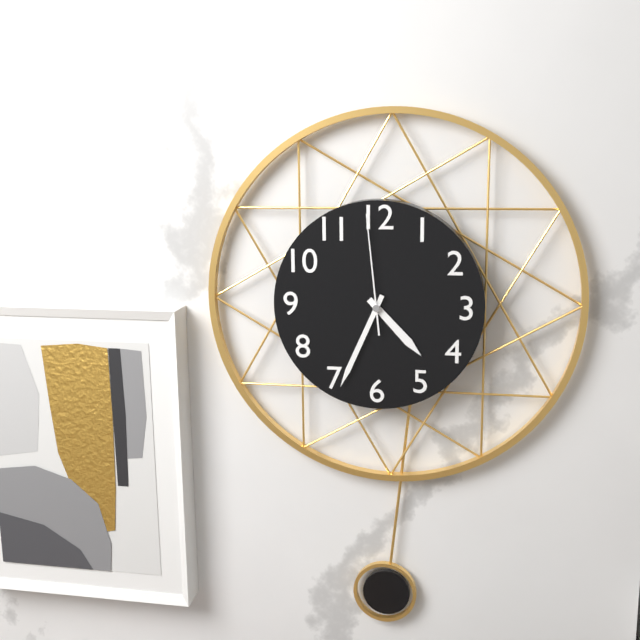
**4:34:59**
